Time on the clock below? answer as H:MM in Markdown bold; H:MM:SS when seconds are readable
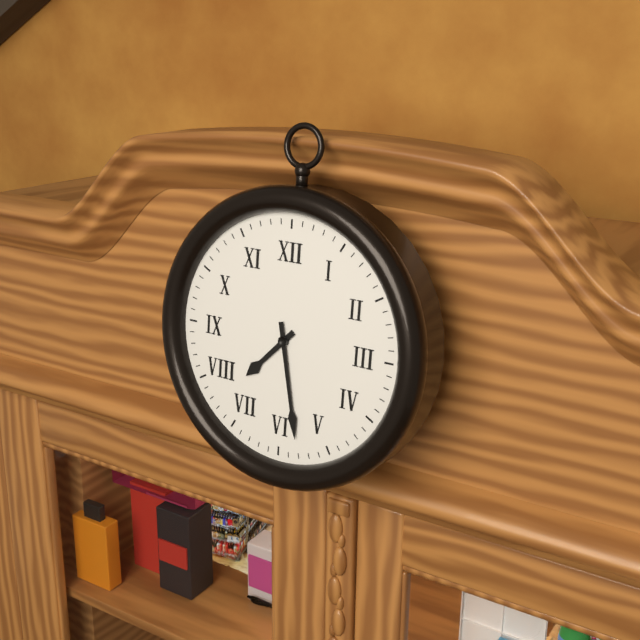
**7:28**
